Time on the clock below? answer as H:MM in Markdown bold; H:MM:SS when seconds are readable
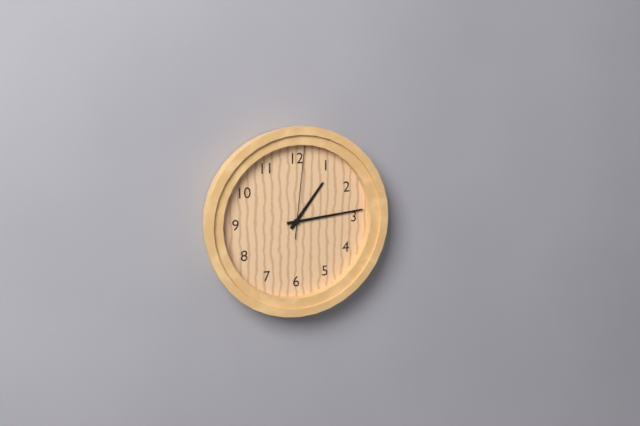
**1:14:01**
